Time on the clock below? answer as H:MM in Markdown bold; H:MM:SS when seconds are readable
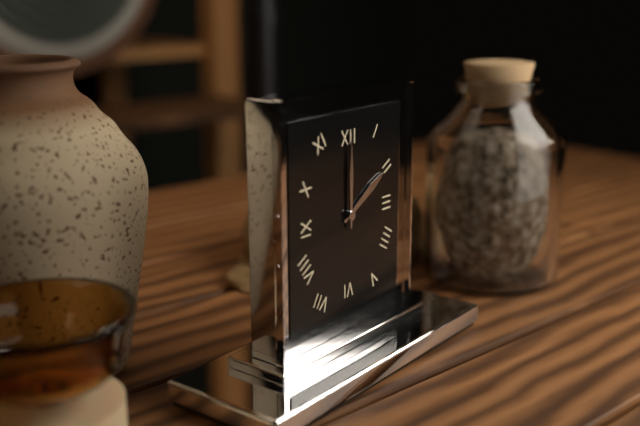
**2:00**
